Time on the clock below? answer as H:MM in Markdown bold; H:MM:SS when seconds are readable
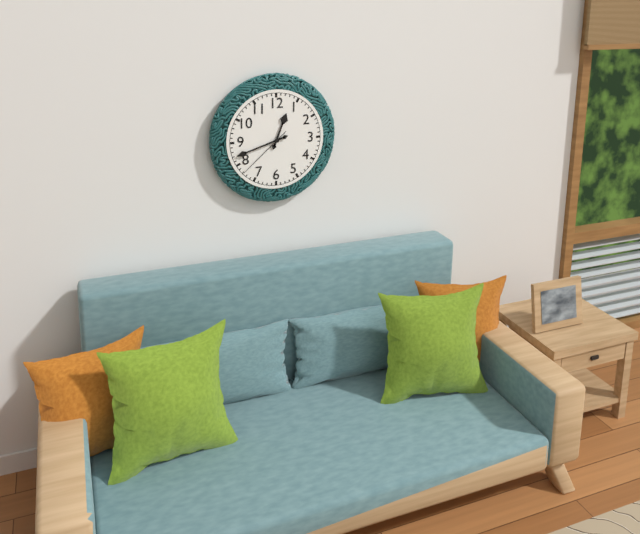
**12:42:38**
